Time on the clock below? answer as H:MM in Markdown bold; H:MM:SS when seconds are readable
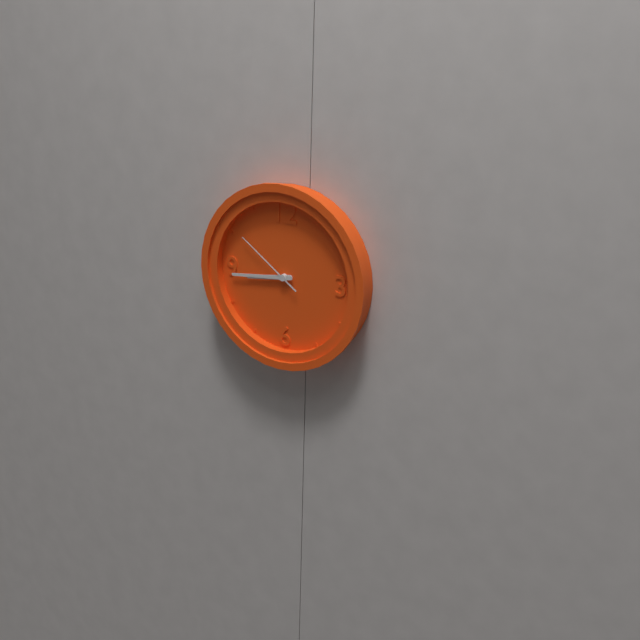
**8:44:51**
